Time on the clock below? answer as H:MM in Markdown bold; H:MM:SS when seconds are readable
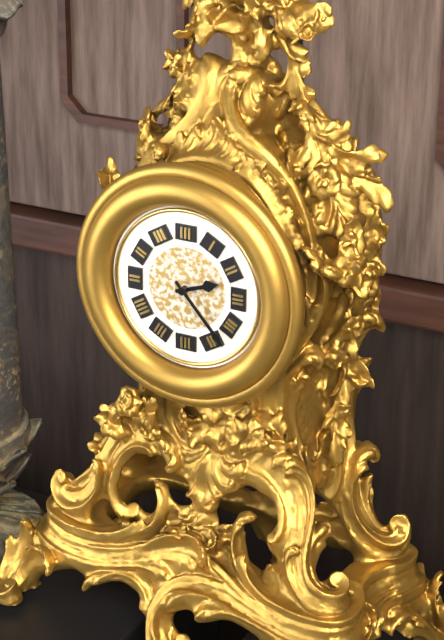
**2:23**
